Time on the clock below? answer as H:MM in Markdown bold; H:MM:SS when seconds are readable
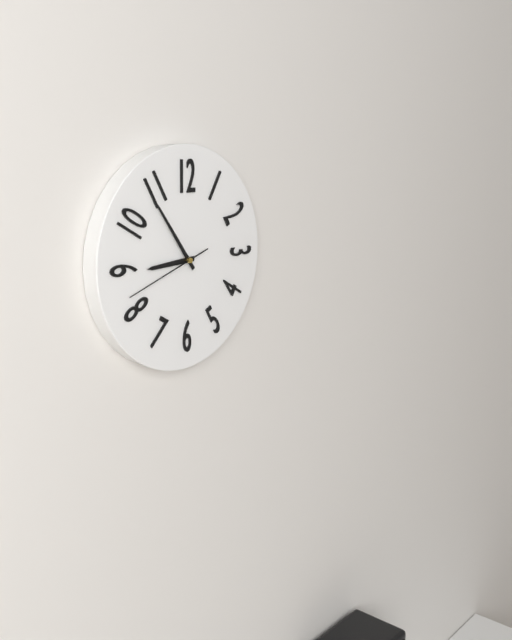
**8:54:42**
